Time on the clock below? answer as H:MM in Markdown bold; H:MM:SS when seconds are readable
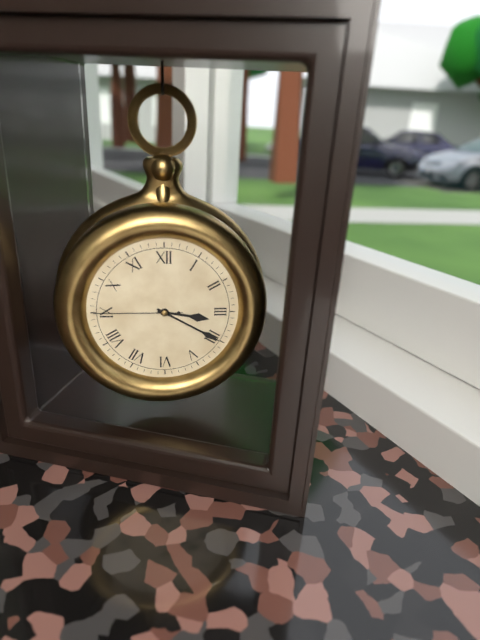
**3:20:45**
